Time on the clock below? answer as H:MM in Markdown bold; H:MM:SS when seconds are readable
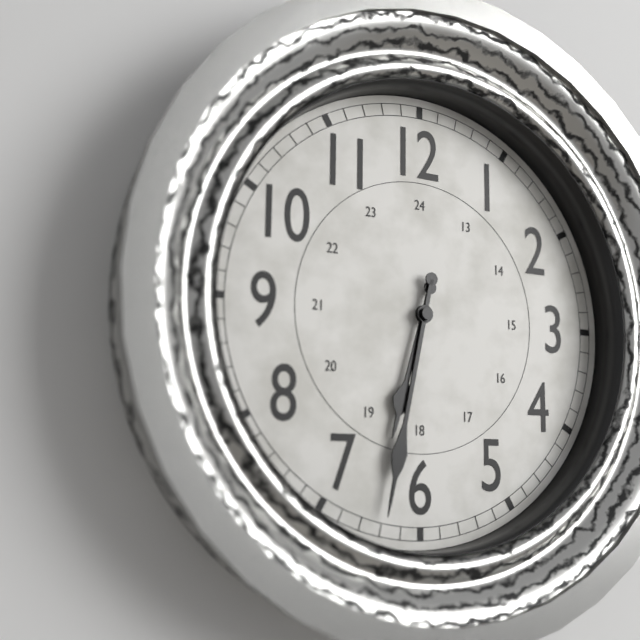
**6:32**
